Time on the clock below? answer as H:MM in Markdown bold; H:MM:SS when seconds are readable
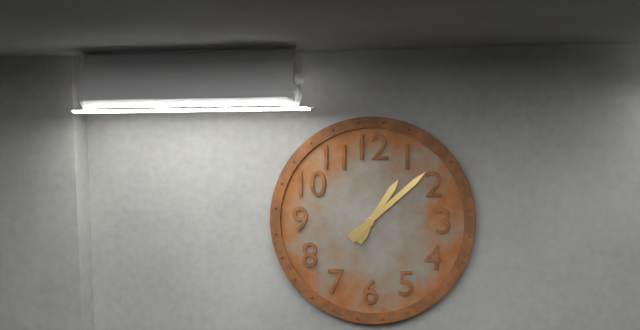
**1:08**
